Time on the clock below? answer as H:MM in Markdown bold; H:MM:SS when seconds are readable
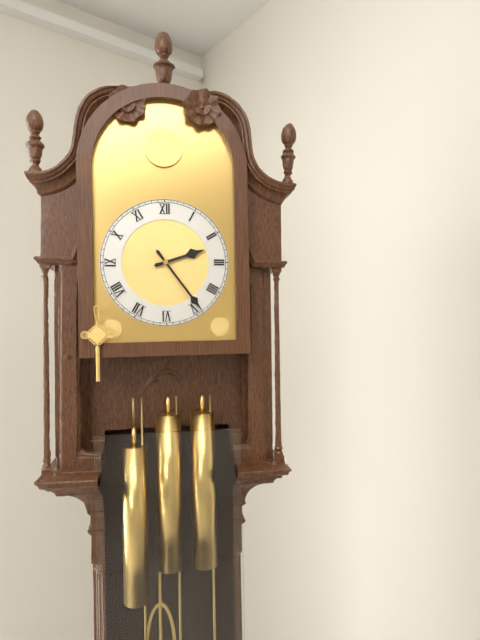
**2:24**
